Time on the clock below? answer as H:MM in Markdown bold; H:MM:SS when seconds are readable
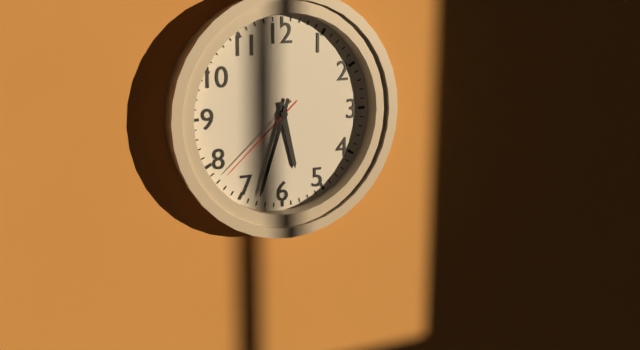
**5:33:38**
